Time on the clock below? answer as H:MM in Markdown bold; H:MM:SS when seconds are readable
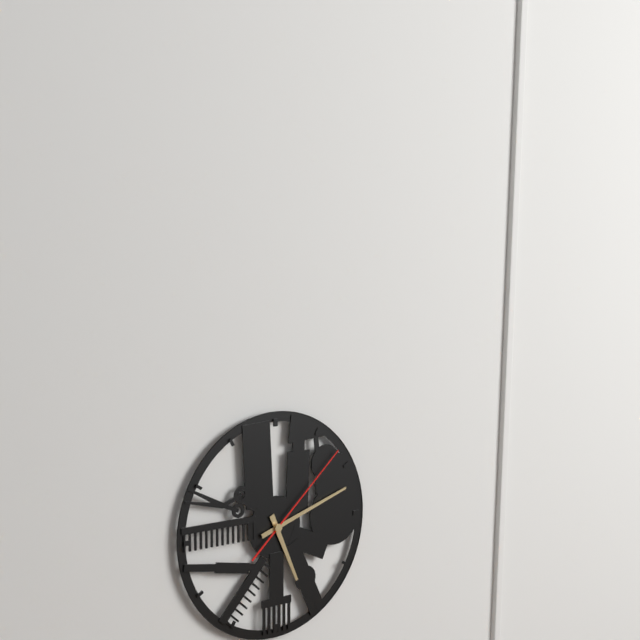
**5:12:08**
